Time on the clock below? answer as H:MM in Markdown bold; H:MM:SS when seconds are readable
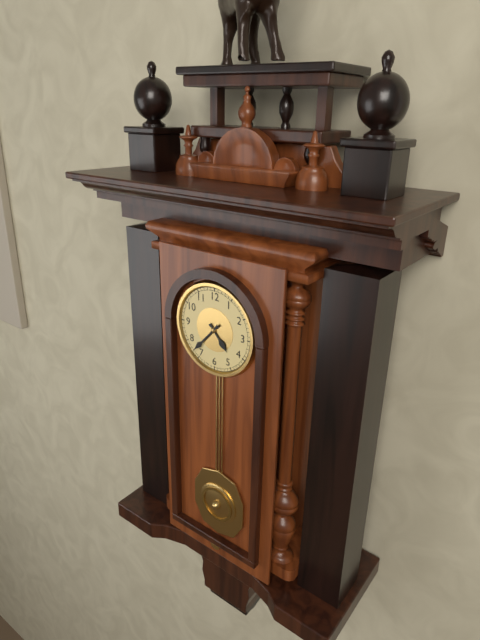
**4:37**
